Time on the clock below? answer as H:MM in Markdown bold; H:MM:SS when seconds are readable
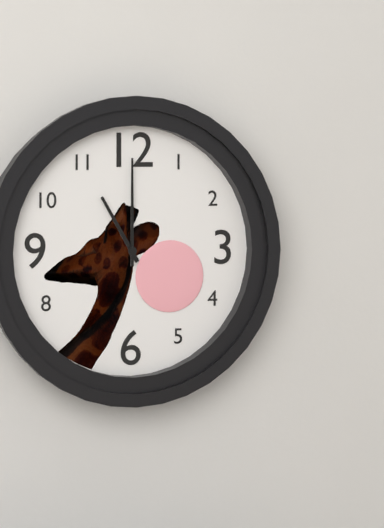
**11:00**
